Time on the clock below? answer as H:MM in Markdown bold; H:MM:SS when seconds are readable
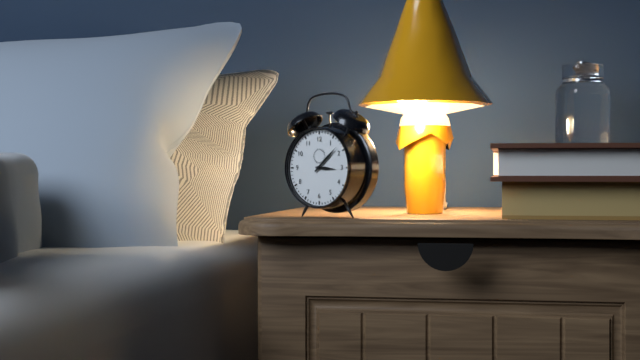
**3:08**
